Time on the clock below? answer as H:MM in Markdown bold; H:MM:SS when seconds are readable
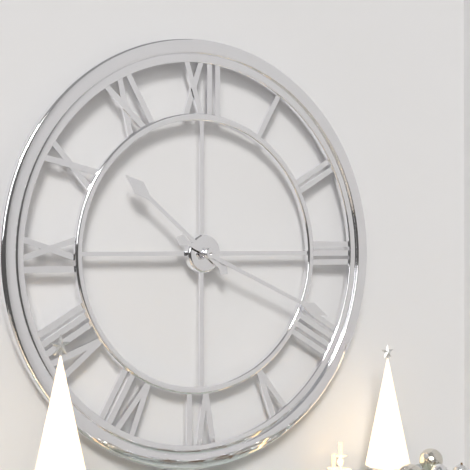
**10:19**
